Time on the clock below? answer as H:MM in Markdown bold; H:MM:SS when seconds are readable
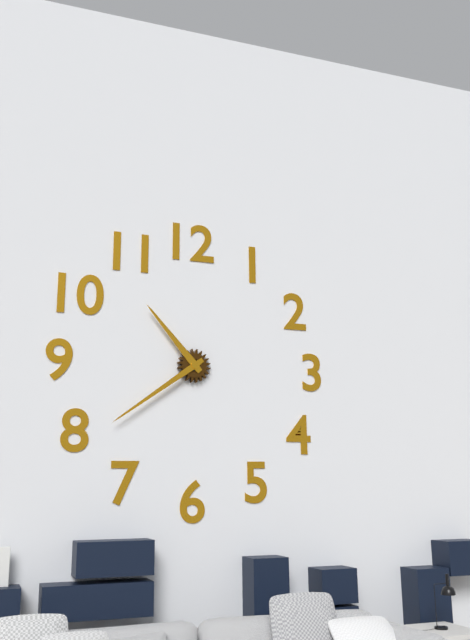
**10:39**
